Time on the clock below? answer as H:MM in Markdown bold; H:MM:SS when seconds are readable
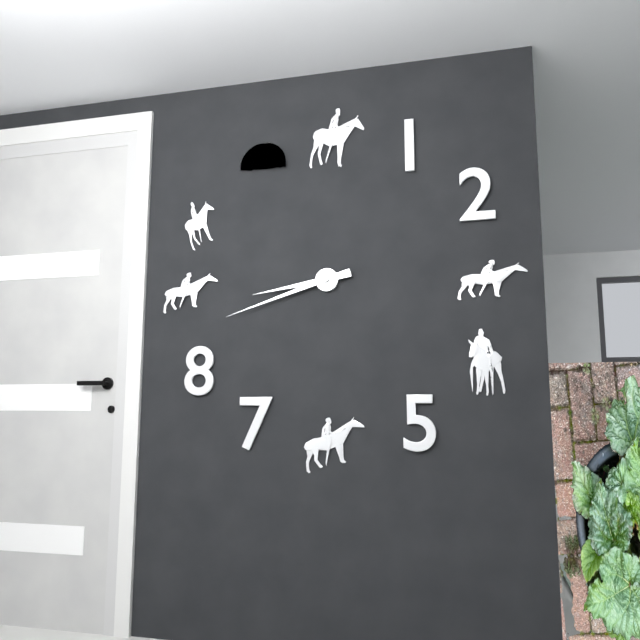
**8:42**
